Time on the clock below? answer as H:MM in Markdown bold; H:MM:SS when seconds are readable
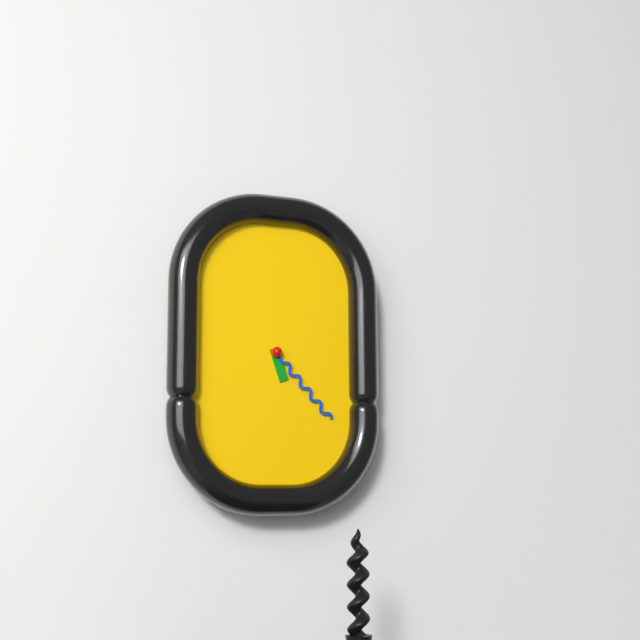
**5:23**
